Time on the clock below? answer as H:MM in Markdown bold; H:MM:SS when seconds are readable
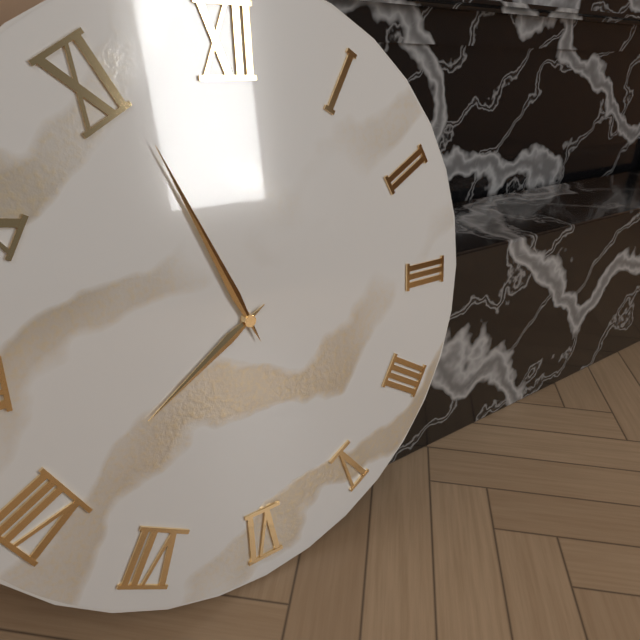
**7:56**
